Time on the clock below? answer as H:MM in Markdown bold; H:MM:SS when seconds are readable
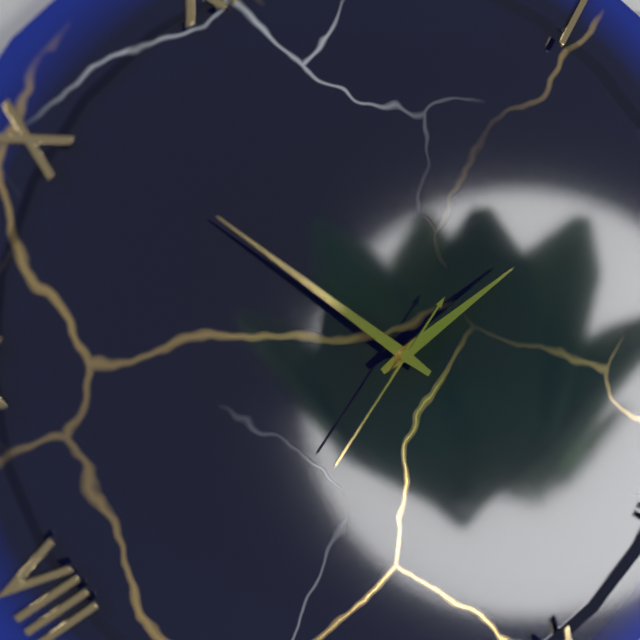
**1:51:36**
